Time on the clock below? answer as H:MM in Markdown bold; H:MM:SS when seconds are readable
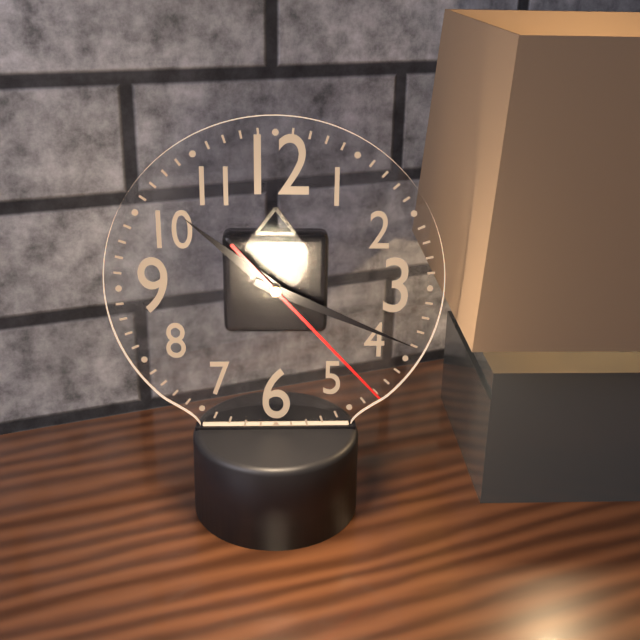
**10:19:23**
